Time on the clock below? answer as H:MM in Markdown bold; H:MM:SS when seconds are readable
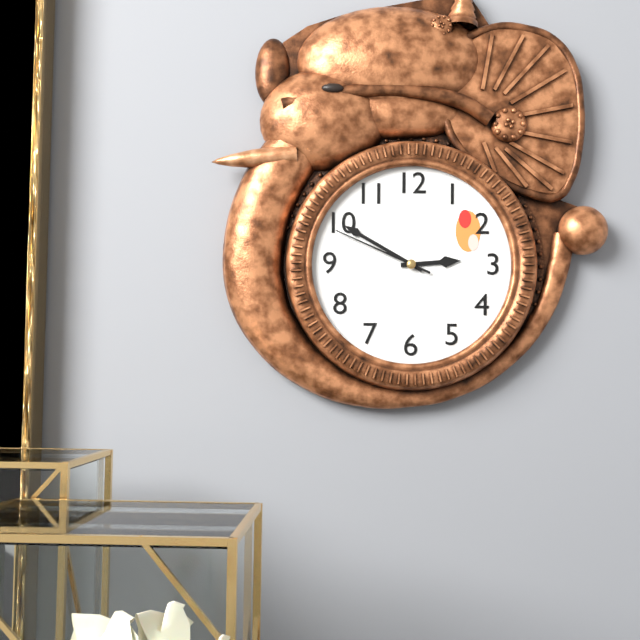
**2:50:49**
